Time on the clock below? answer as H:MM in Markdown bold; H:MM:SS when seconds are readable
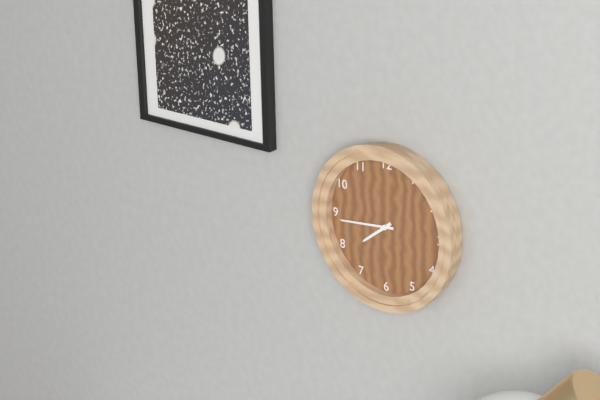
**7:44**
